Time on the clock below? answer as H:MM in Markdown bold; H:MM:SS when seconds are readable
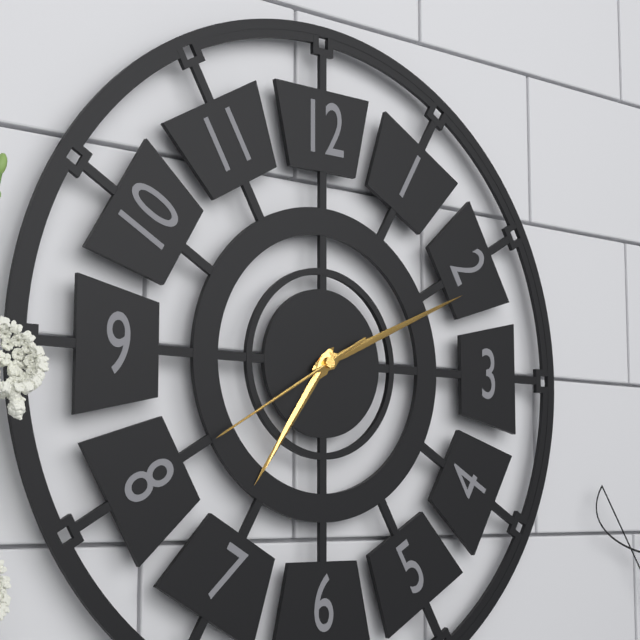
**7:11:40**
